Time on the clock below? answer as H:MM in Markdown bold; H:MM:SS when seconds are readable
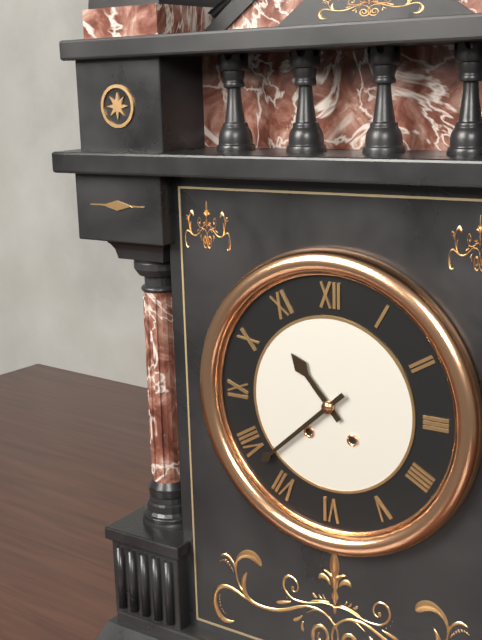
**10:38**
